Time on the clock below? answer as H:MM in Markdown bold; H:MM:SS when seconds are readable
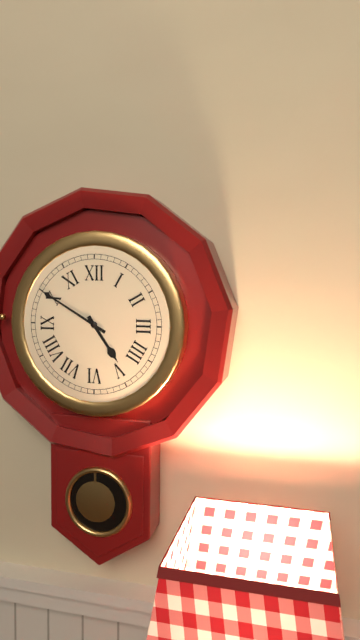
**4:50**
